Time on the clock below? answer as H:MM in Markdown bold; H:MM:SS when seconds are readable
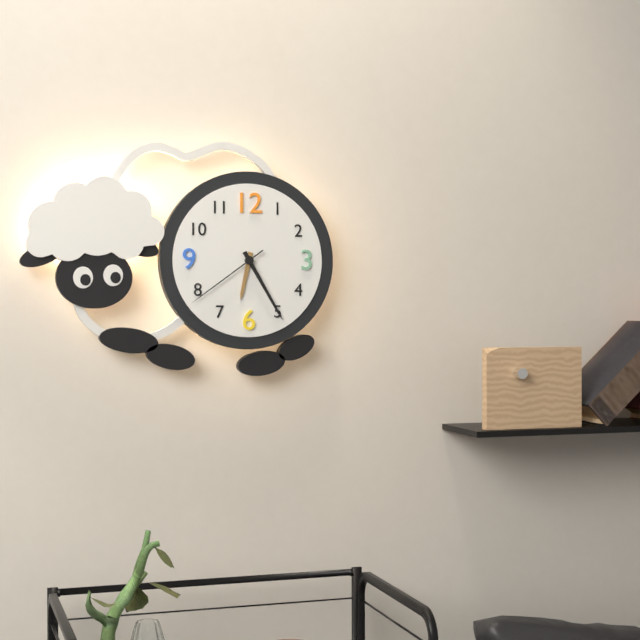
**6:25:39**
